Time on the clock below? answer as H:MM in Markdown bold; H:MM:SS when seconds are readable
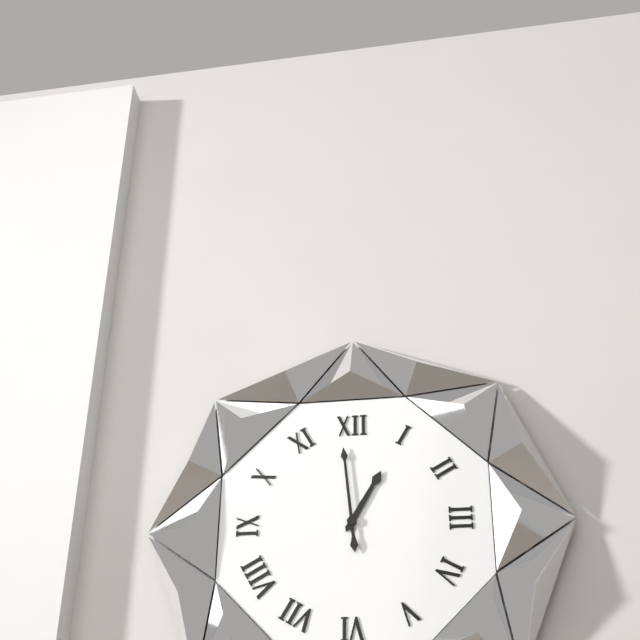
**12:59**
